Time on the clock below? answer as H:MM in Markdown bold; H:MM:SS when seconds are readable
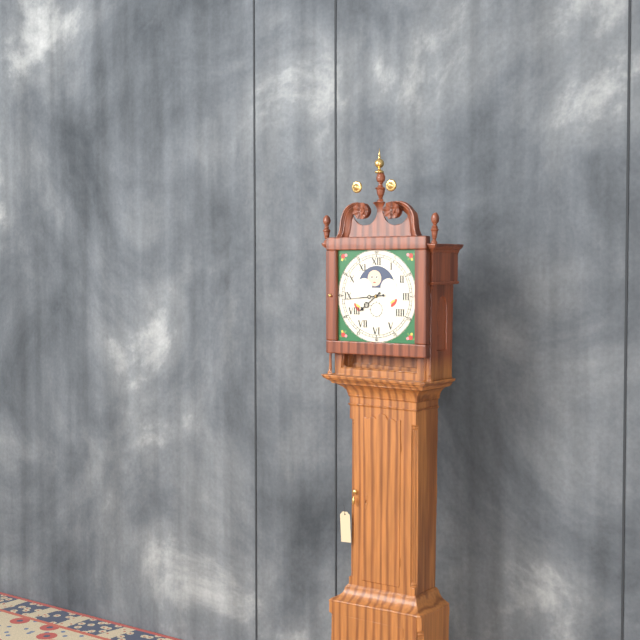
**7:44**
